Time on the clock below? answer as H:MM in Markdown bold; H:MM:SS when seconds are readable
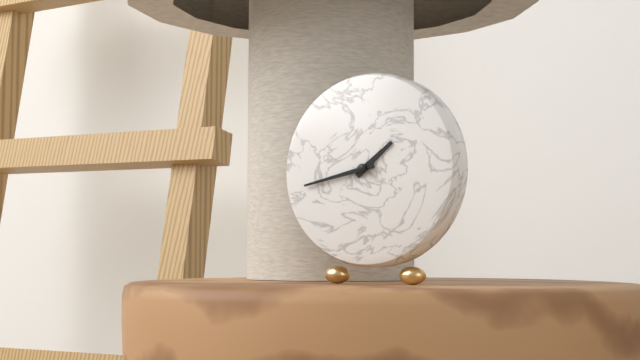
**1:43**
